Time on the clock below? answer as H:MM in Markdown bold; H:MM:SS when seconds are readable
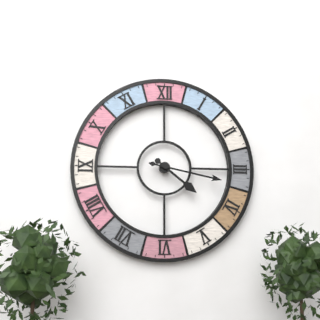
**4:17**
